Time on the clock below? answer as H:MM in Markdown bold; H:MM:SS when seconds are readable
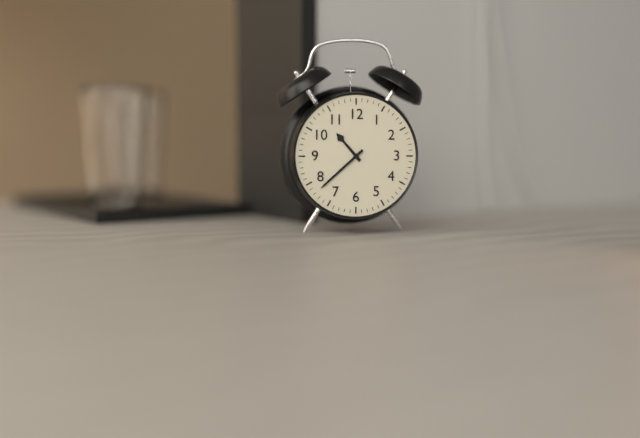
**10:38**
